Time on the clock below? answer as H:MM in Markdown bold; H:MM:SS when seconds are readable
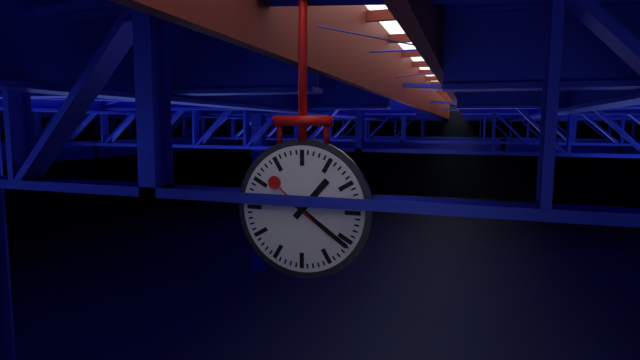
**1:21:52**
